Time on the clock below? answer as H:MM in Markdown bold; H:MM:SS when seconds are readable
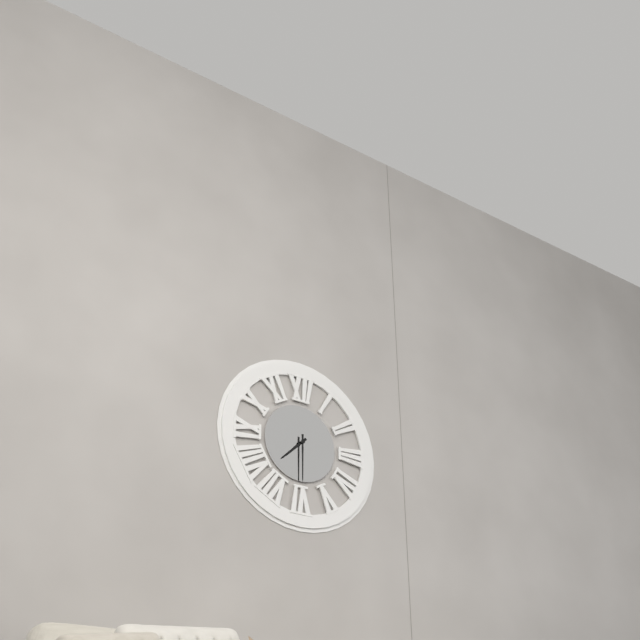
**7:30**
